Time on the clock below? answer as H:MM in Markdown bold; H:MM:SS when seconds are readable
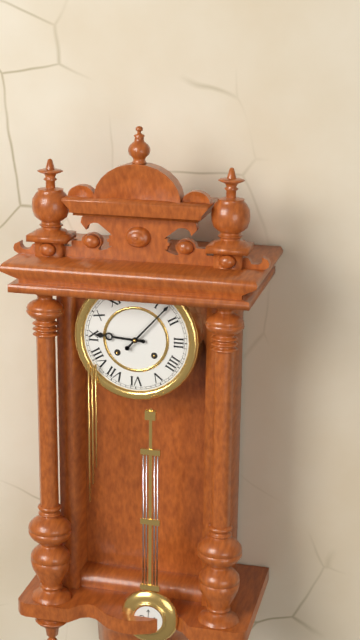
**9:07**
